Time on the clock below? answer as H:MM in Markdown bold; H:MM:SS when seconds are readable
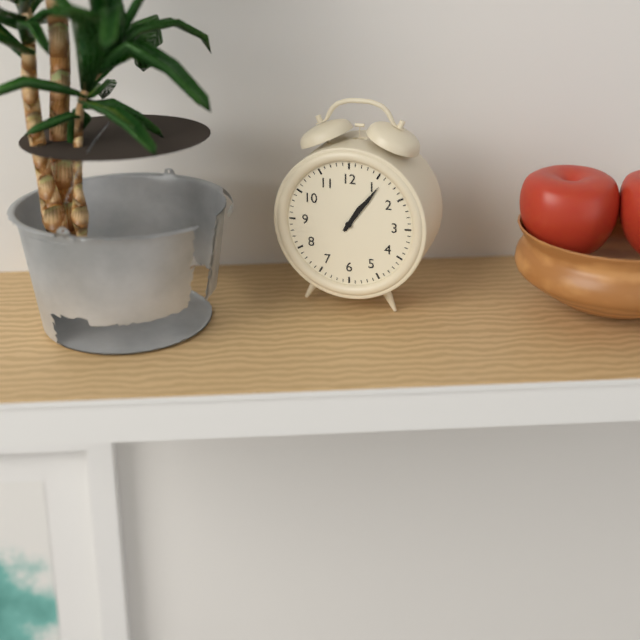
**1:06**
